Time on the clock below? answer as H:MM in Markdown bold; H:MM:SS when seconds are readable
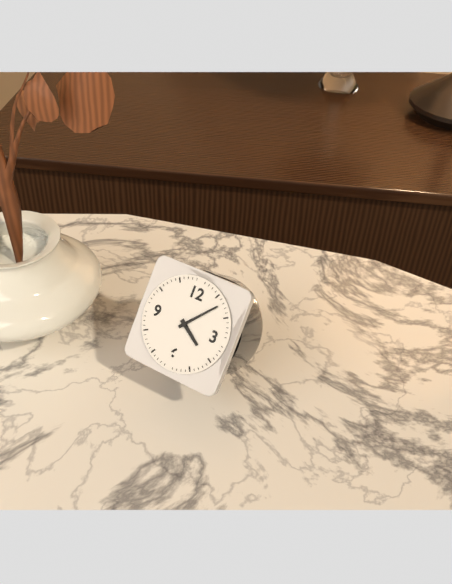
**4:07**
